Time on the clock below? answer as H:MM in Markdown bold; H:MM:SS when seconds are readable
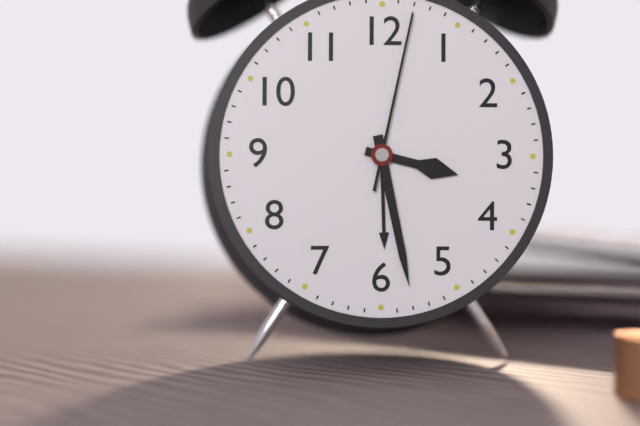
**3:28:02**
